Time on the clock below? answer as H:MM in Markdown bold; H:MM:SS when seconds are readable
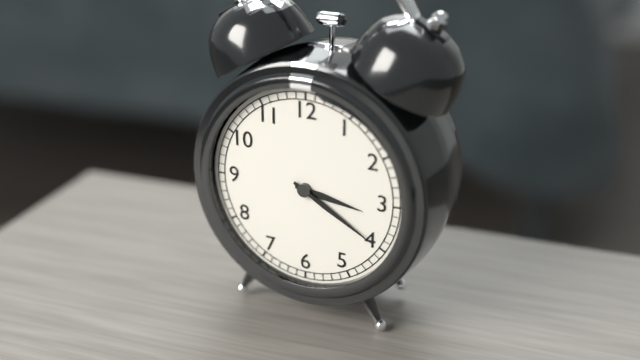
**3:20**
